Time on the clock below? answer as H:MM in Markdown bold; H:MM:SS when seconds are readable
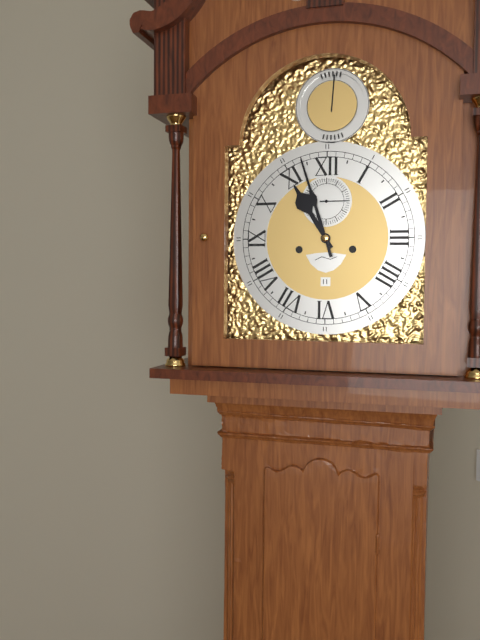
**10:57**
